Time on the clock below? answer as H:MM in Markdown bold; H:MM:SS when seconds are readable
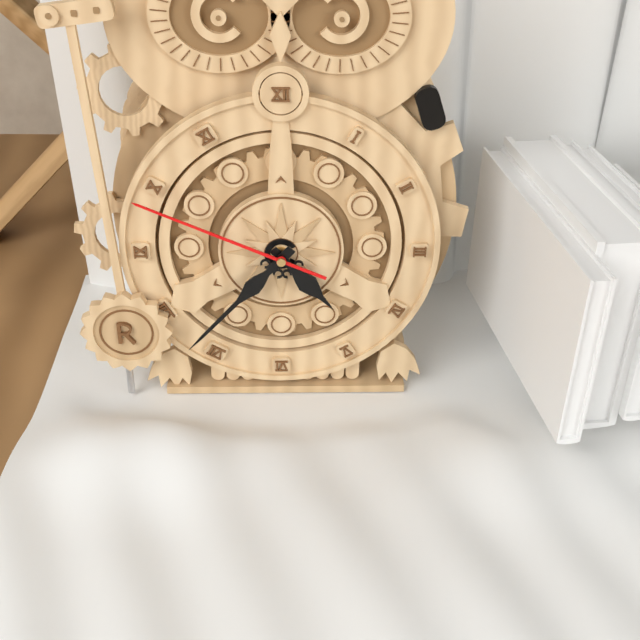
**4:37:49**
